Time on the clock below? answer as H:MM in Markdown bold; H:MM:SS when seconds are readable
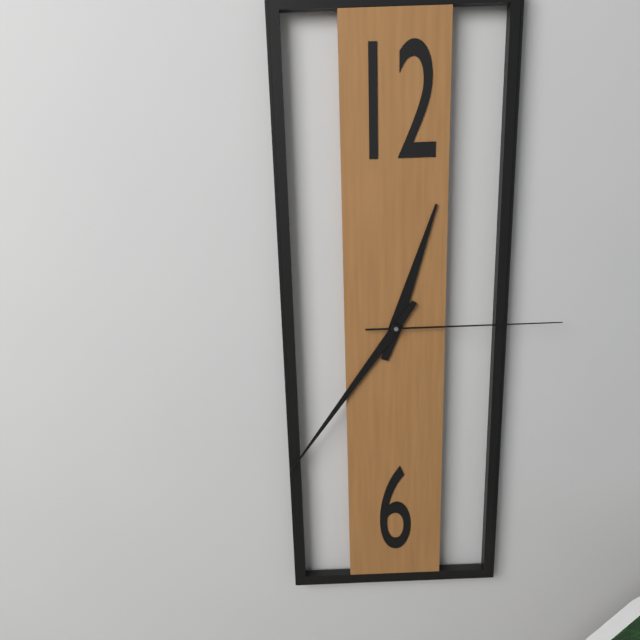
**12:36:15**
